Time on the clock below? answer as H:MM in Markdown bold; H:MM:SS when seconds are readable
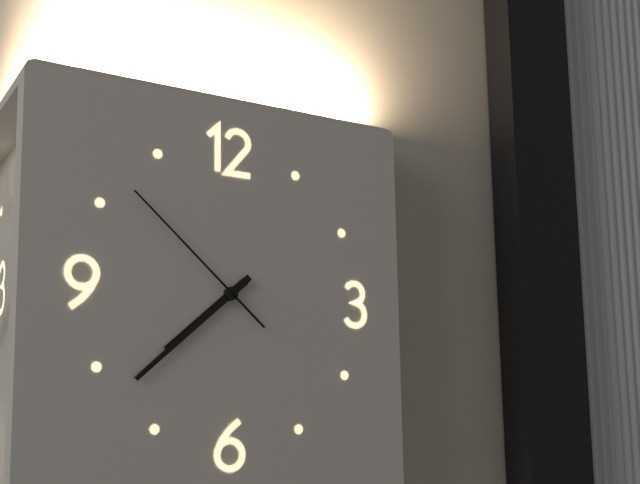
**7:38:52**
